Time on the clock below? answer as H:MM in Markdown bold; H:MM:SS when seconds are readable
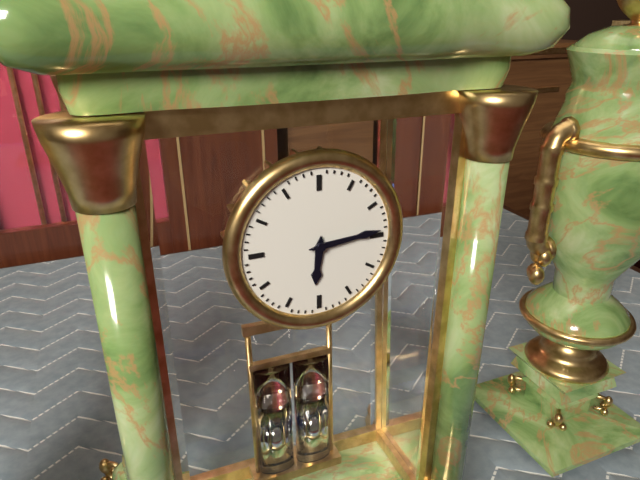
**6:14**
